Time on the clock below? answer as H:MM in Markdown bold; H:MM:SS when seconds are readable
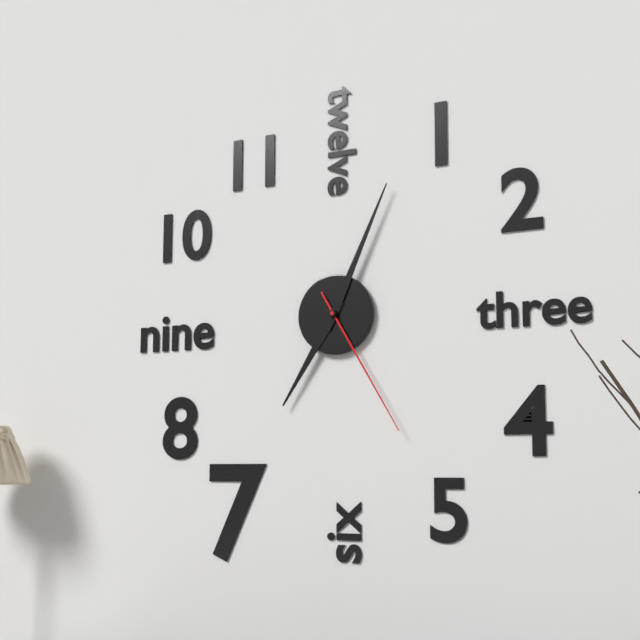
**7:04:25**
